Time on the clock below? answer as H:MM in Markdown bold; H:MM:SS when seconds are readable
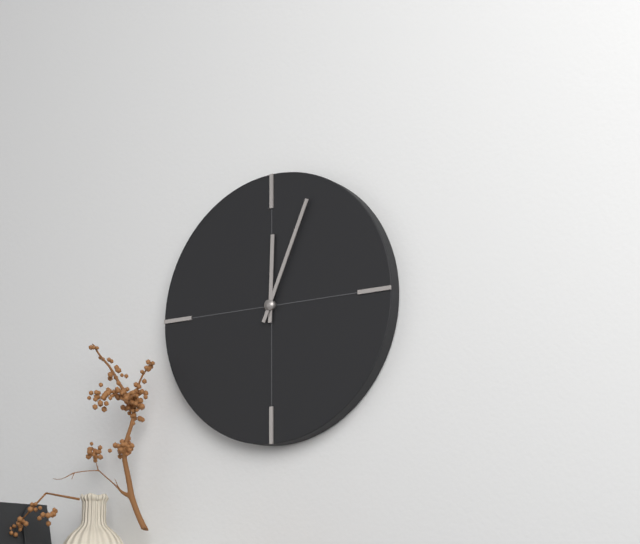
**12:04**
